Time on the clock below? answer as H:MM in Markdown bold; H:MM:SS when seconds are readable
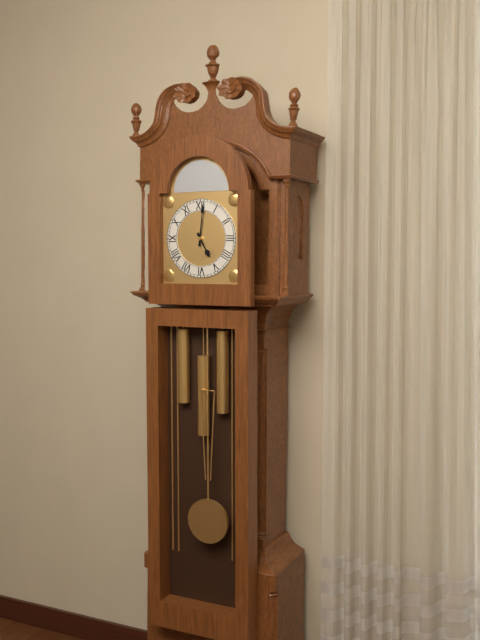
**5:01**
